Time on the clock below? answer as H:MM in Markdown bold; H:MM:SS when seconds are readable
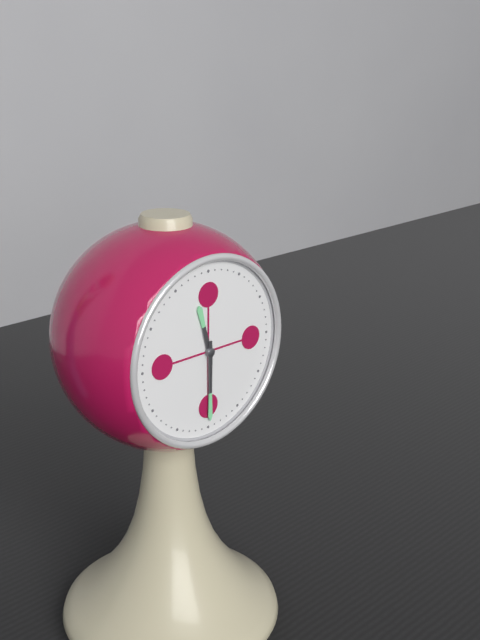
**11:30**
